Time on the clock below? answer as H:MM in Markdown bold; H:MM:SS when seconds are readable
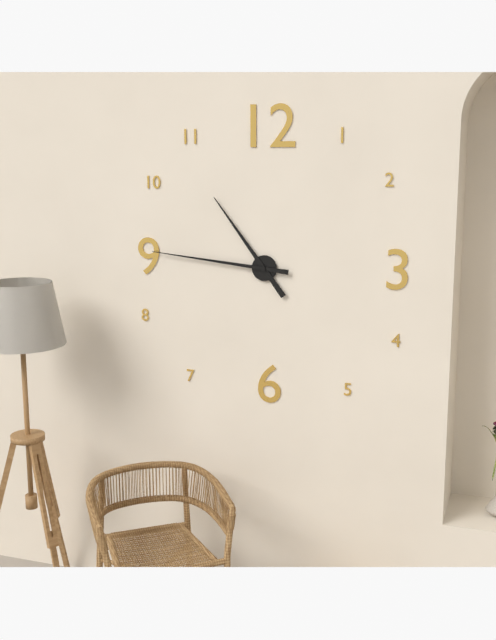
**10:46**
